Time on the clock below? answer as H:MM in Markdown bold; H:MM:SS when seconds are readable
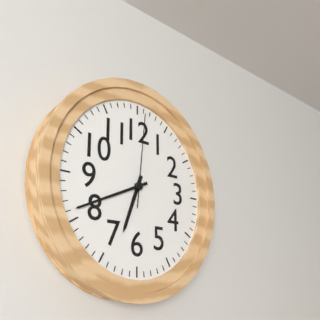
**6:41:01**
